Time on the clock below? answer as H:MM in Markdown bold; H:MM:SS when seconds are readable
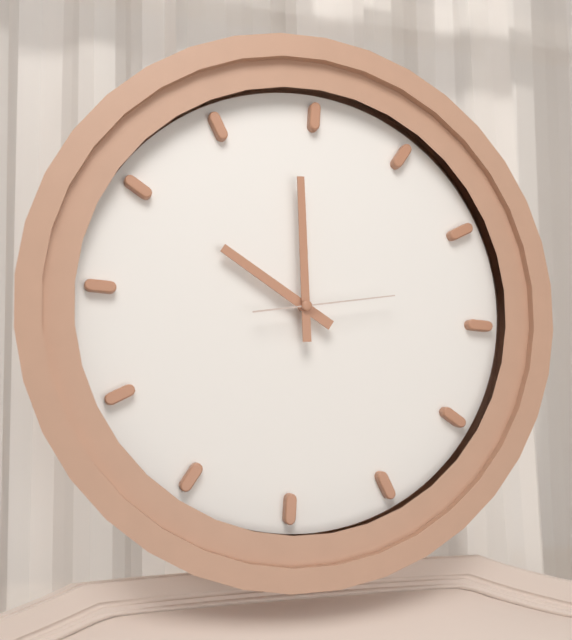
**9:59:13**
